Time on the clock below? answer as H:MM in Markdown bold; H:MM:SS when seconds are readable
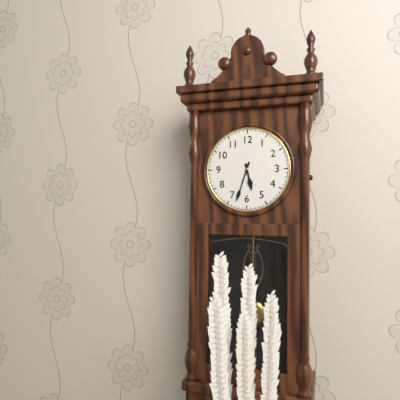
**5:33**
